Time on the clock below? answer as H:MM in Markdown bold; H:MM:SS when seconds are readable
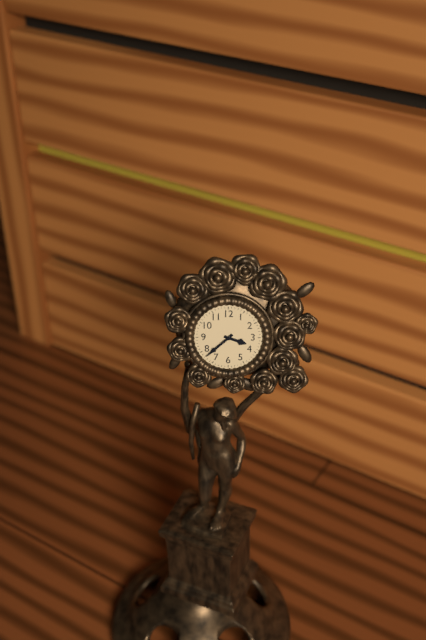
**3:38**
